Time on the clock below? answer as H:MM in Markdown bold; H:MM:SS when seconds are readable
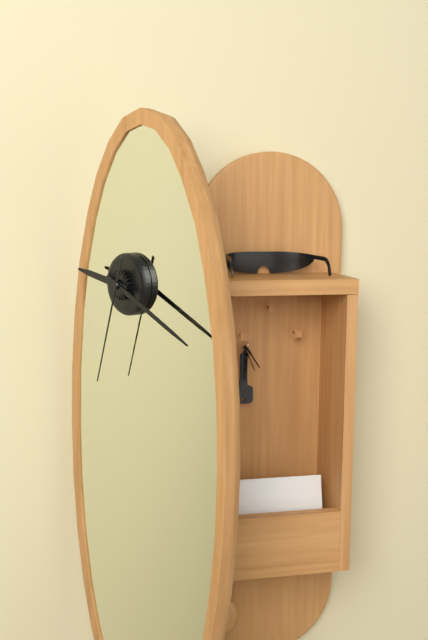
**9:19:33**
